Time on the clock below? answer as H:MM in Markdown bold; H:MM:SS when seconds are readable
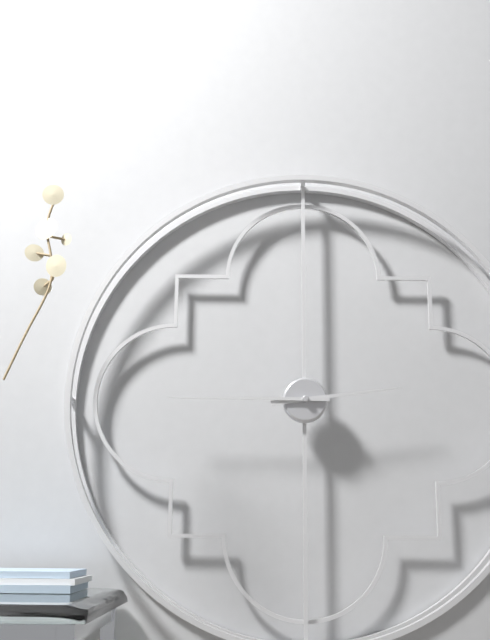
**2:45**
